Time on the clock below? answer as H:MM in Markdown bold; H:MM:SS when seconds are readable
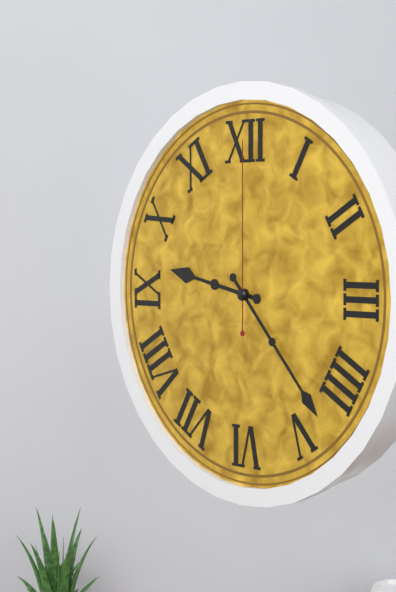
**9:23:00**
